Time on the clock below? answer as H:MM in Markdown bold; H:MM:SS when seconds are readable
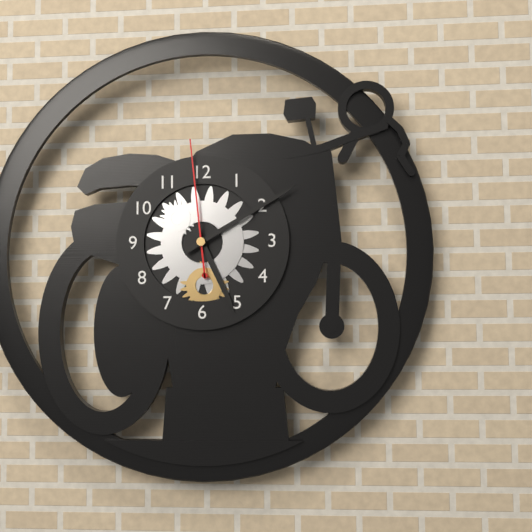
**5:10:59**
